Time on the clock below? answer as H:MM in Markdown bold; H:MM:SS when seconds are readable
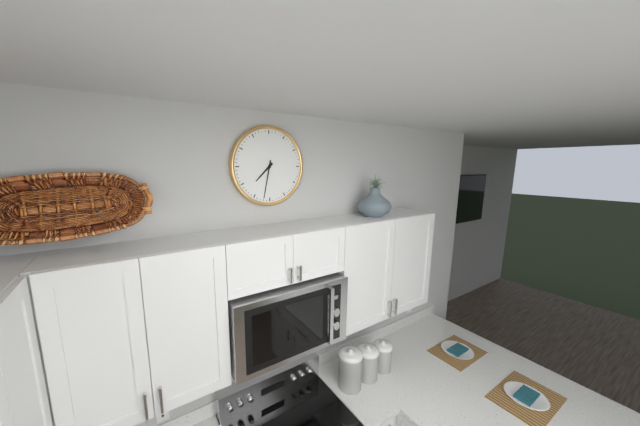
**7:32**
